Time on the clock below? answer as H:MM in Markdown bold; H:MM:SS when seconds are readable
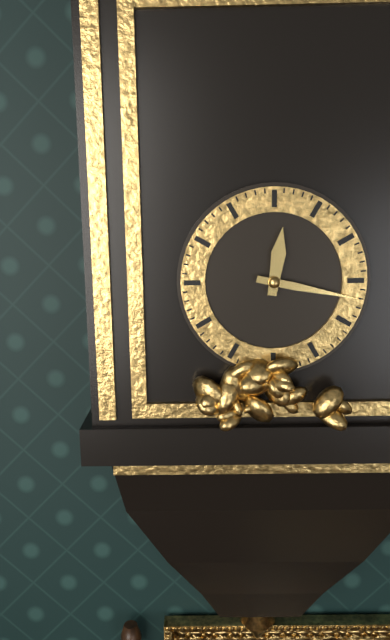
**12:17**
